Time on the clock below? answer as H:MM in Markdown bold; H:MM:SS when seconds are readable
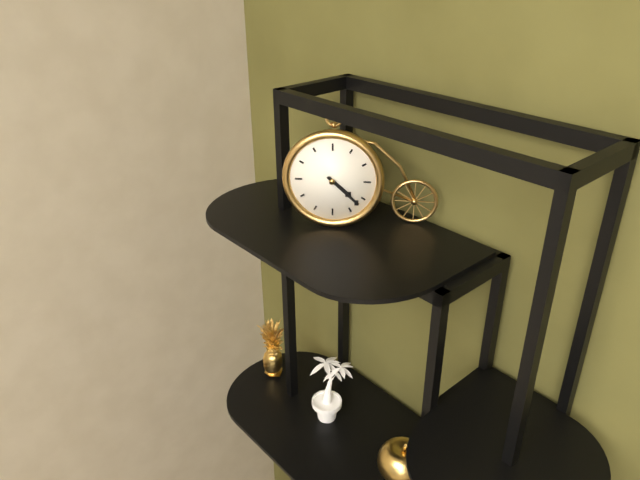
**4:22**
